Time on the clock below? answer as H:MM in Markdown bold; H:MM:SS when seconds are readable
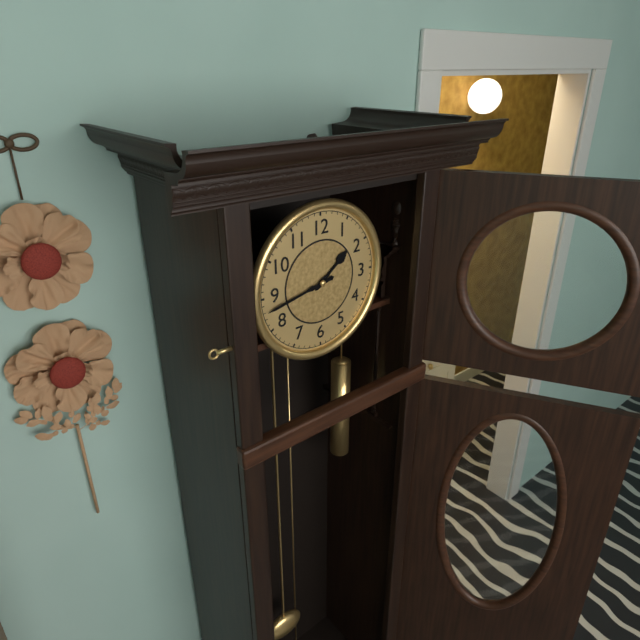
**1:43**
